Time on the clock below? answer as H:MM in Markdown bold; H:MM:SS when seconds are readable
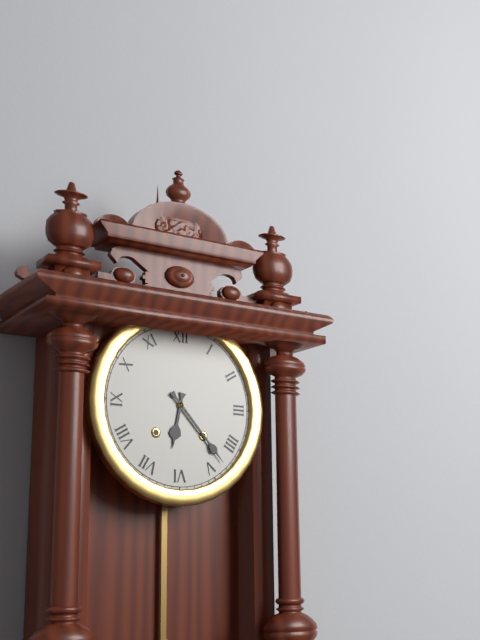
**6:23**
